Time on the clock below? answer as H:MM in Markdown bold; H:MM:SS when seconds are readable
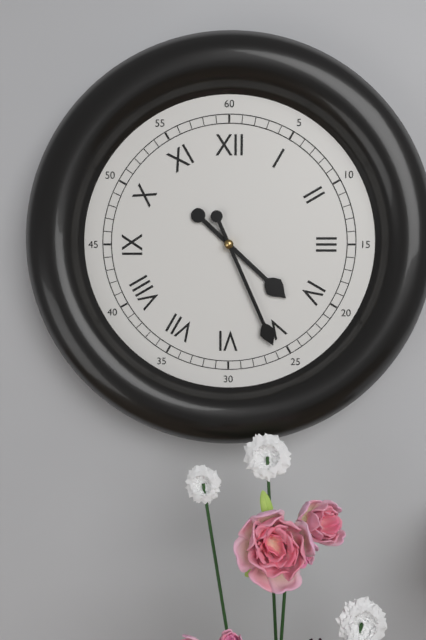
**4:26**
